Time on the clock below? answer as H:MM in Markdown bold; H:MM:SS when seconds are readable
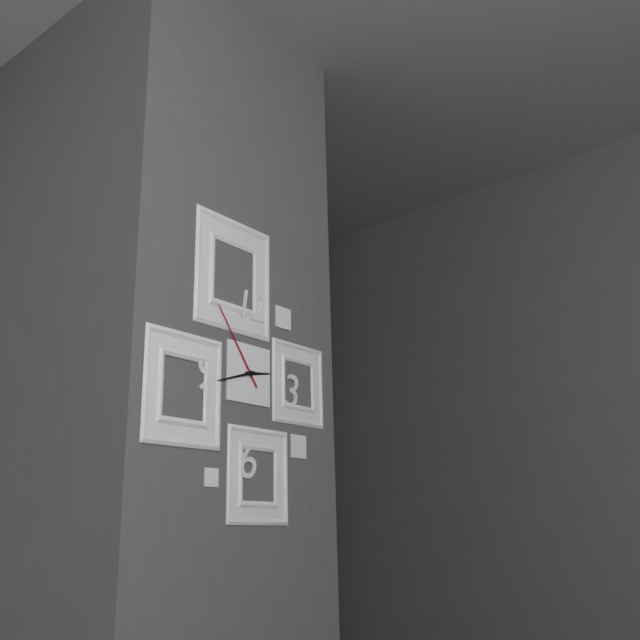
**2:42:54**
